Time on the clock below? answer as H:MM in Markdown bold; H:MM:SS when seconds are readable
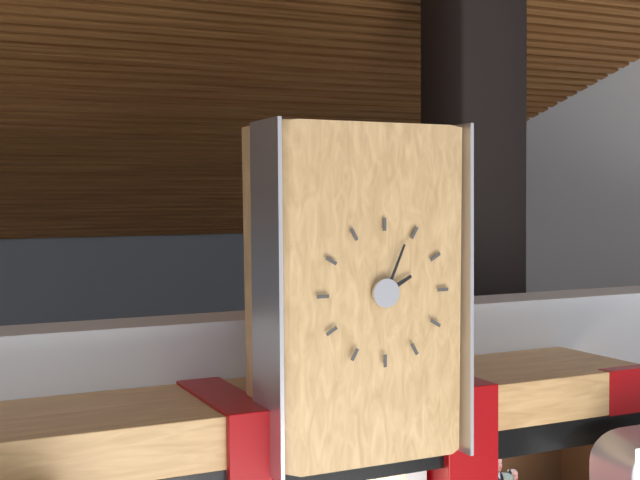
**2:04**
